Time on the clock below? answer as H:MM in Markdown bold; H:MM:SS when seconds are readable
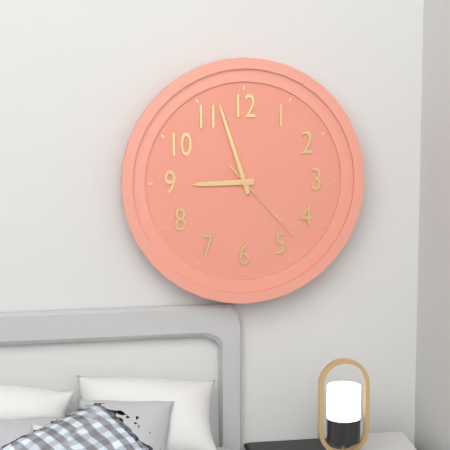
**8:57:23**
